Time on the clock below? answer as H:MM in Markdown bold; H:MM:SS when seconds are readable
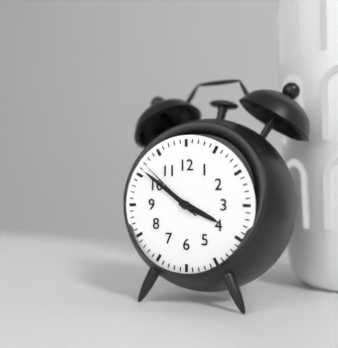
**3:51:52**
